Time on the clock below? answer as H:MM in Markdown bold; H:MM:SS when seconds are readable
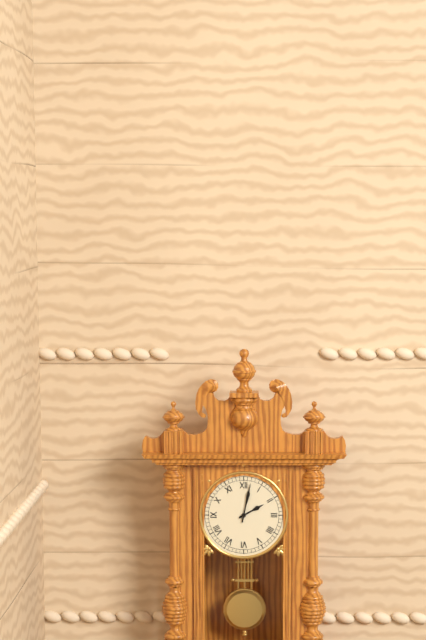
**2:02**
